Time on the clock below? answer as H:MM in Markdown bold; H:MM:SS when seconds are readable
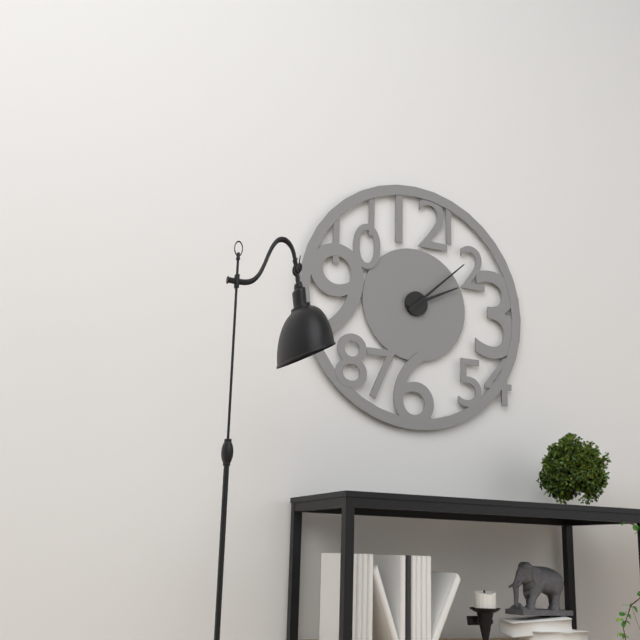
**2:08**
